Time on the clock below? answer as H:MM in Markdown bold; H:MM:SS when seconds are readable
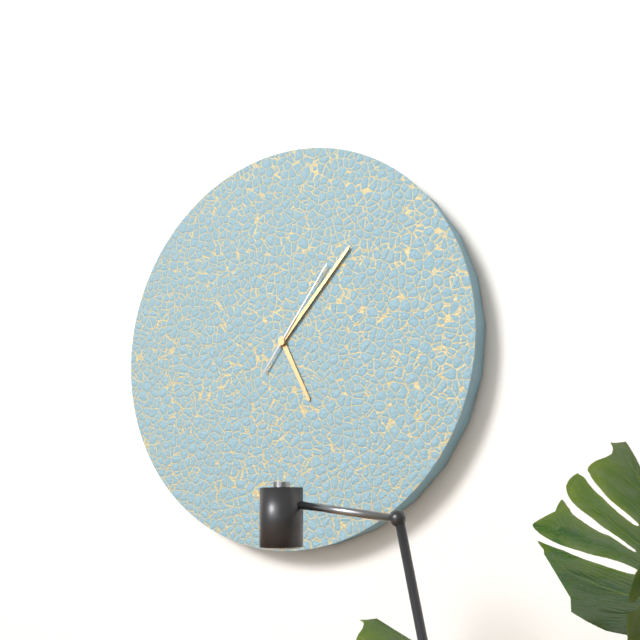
**5:07:06**
